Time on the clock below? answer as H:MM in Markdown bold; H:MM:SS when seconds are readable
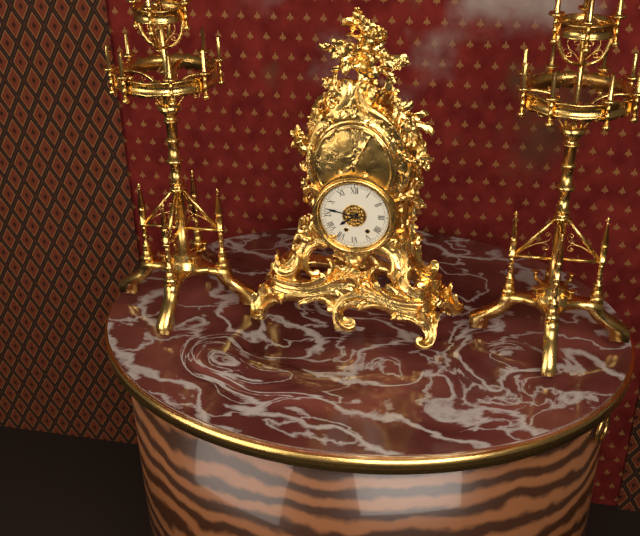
**7:47**
